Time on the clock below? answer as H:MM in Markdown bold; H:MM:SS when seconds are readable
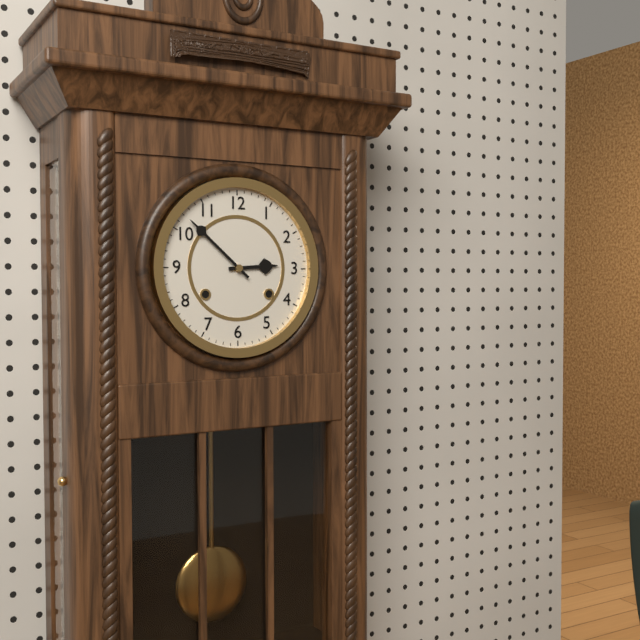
**2:52**
